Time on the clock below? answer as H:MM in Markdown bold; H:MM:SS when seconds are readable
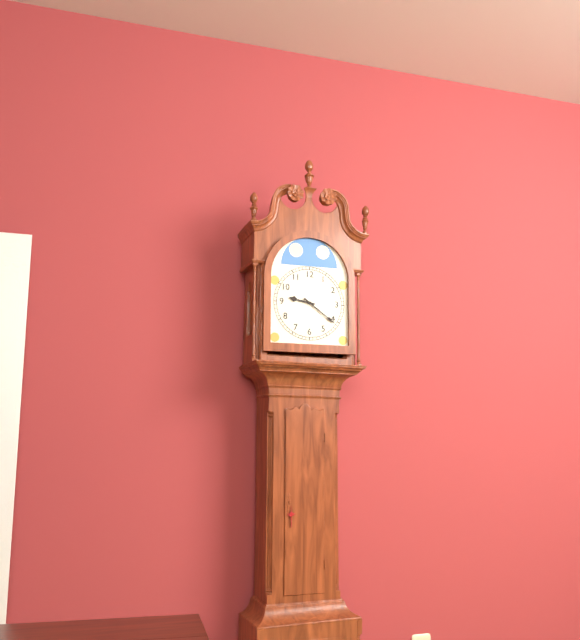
**9:21**
